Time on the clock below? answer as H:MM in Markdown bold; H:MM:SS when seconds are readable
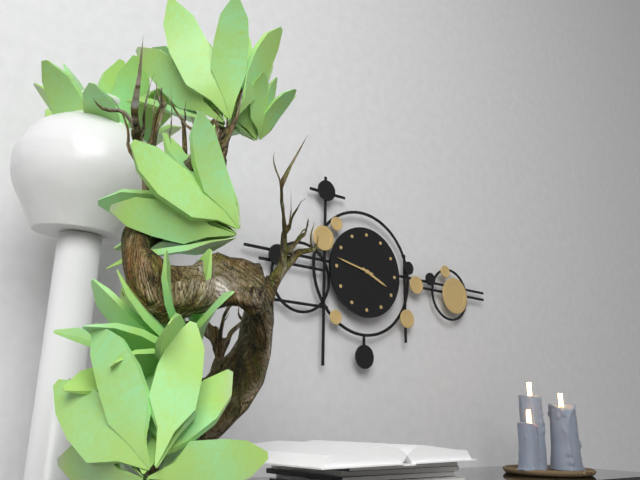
**3:47**
